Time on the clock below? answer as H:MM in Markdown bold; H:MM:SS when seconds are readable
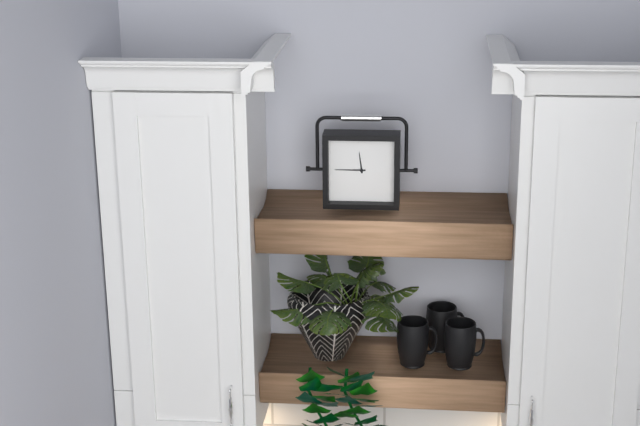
**11:45**
